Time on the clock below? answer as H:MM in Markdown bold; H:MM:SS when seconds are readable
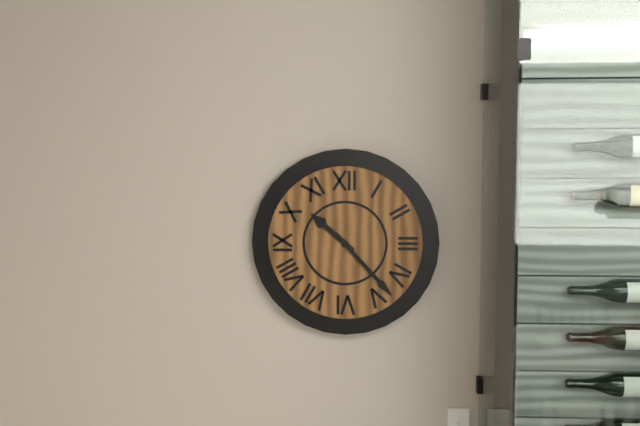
**10:23**
